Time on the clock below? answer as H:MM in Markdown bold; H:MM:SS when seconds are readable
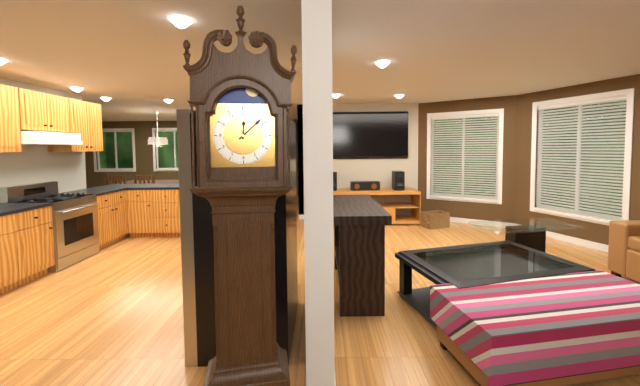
**12:08**
